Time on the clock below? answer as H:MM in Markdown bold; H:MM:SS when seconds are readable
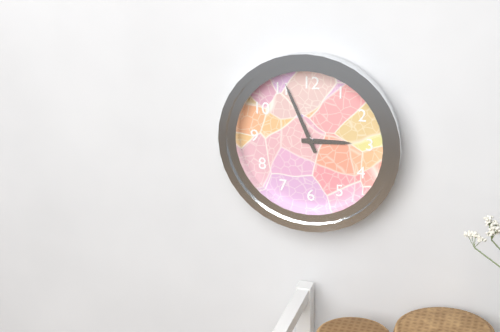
**2:56**
